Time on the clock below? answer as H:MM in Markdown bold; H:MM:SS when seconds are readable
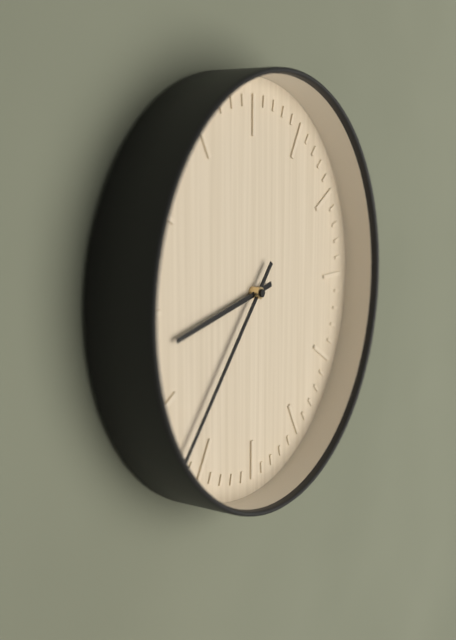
**8:37**
